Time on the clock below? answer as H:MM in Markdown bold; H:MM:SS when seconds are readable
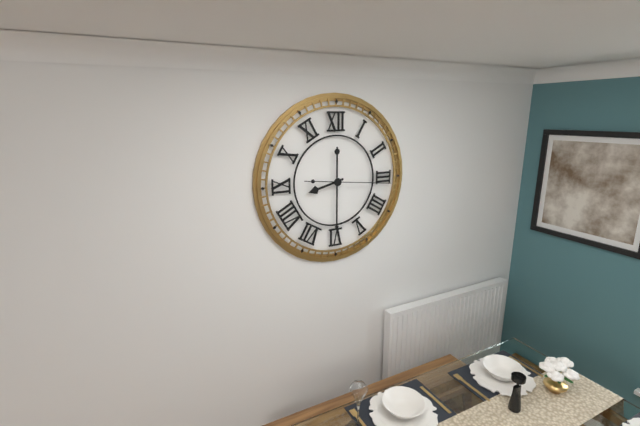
**8:30:16**
